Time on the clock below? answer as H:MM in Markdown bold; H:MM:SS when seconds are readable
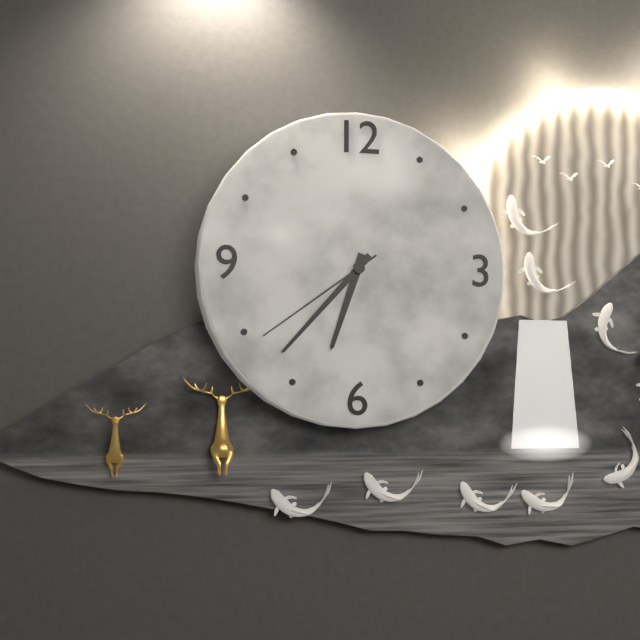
**6:37:39**
